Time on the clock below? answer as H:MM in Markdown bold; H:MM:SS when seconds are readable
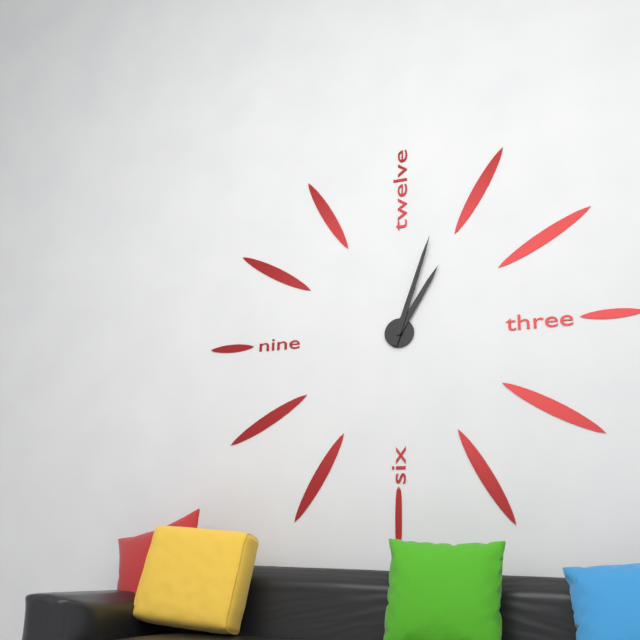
**1:03**
